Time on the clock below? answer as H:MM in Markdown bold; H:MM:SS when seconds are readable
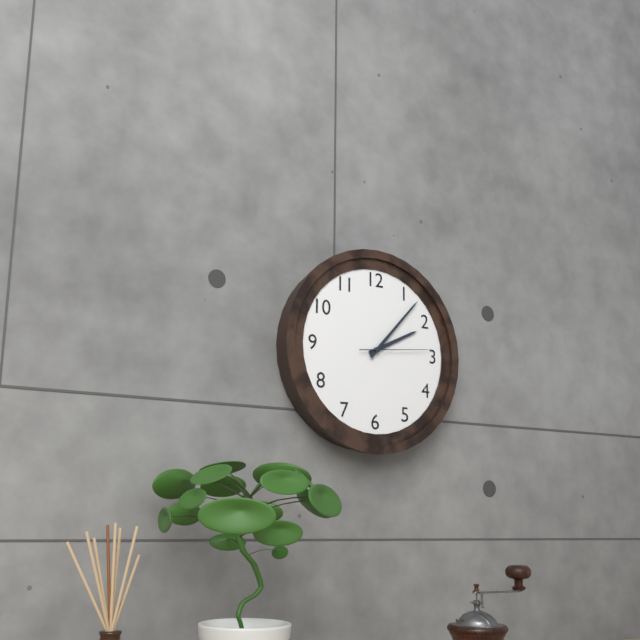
**2:07:14**
